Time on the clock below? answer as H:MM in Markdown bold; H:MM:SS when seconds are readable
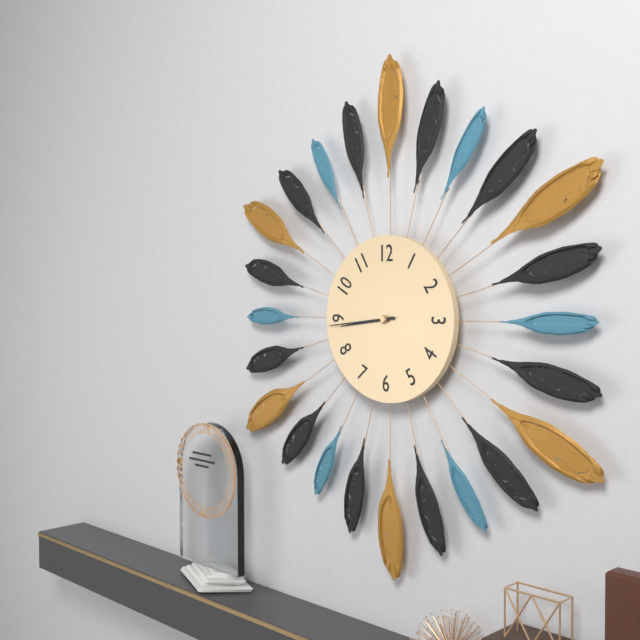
**8:44**
